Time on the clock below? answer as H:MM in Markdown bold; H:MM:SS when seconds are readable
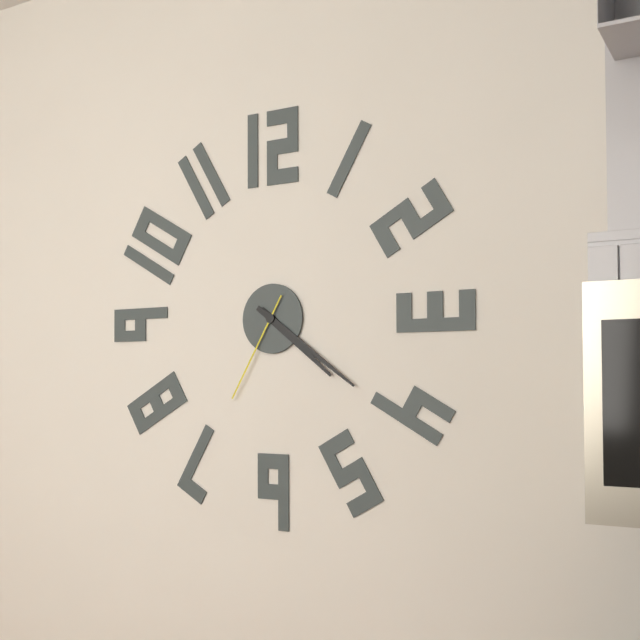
**4:21:35**
